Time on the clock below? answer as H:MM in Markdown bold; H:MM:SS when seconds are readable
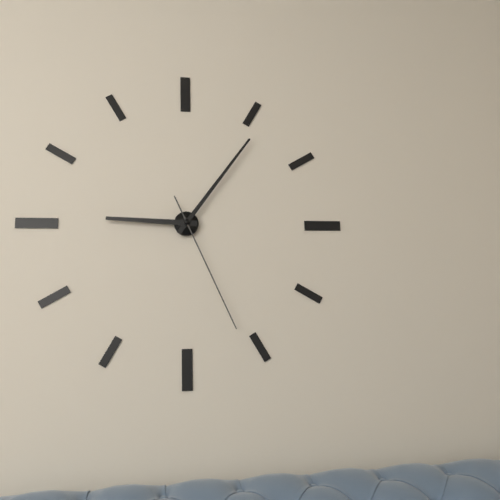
**9:06:26**
